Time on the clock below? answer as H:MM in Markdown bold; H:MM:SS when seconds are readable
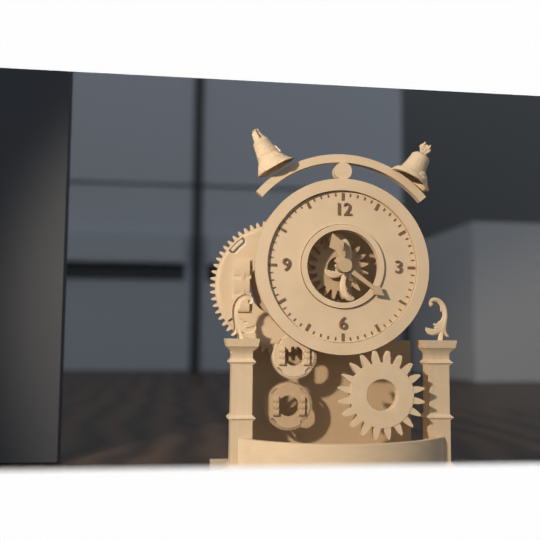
**11:21**
